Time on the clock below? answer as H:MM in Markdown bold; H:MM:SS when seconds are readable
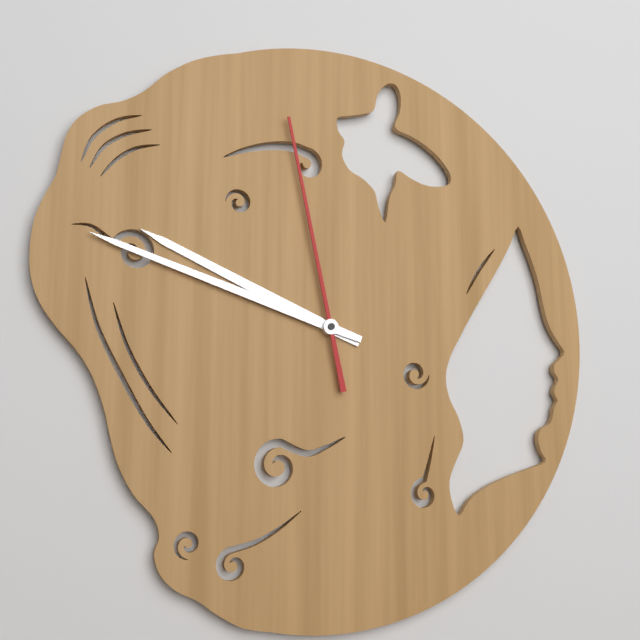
**9:48:58**
